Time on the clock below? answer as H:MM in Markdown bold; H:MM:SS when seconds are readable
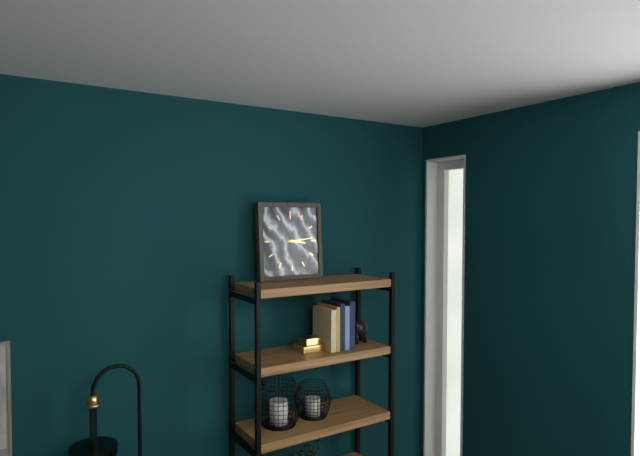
**3:14**
